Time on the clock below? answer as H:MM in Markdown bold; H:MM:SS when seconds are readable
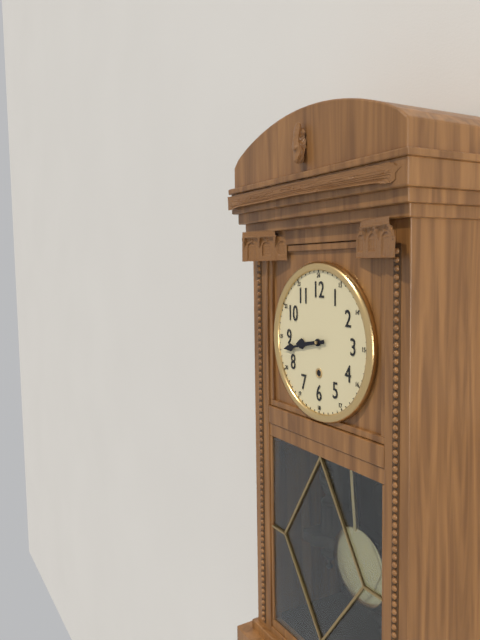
**8:43**
